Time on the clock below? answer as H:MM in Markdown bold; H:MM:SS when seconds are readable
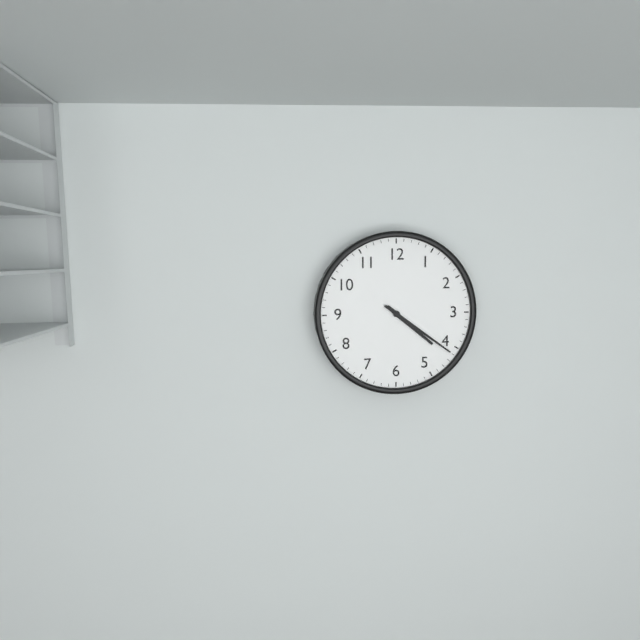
**4:21**
